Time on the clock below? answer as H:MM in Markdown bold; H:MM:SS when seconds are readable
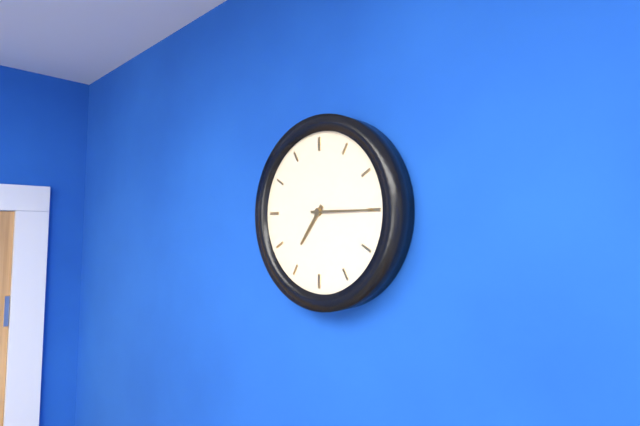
**7:15**
